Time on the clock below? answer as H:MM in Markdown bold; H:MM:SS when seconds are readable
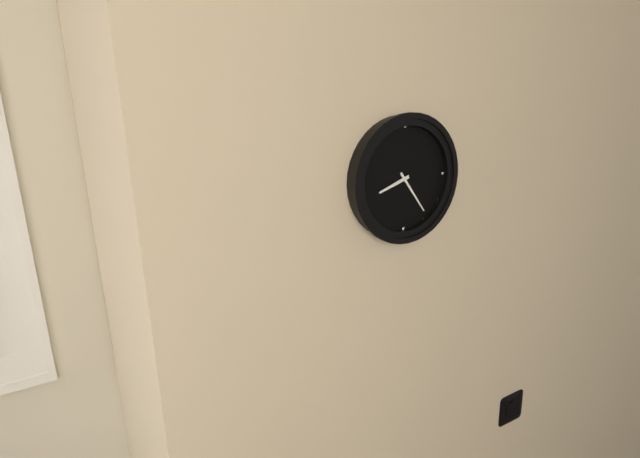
**8:24**
